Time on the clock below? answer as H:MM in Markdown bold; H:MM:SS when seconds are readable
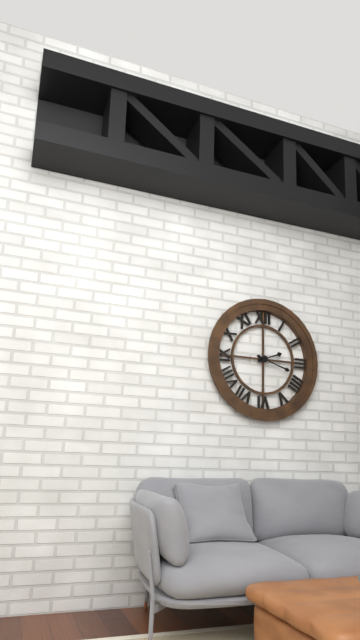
**2:18**
